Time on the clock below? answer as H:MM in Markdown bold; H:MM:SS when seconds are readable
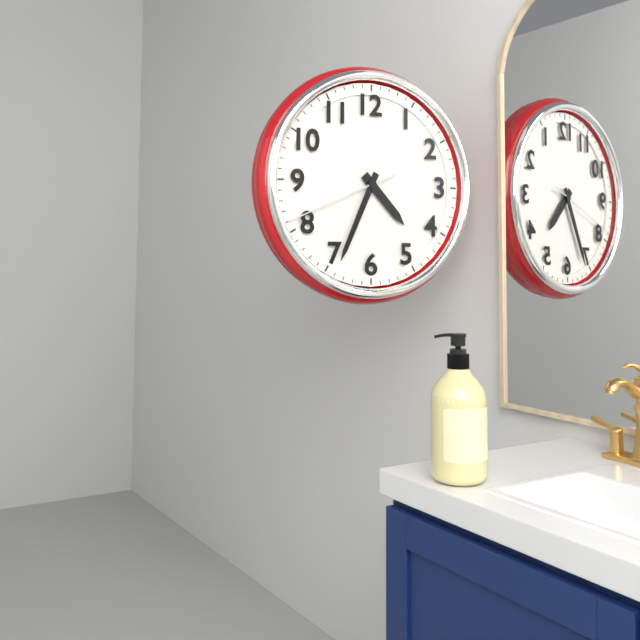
**4:34:41**
